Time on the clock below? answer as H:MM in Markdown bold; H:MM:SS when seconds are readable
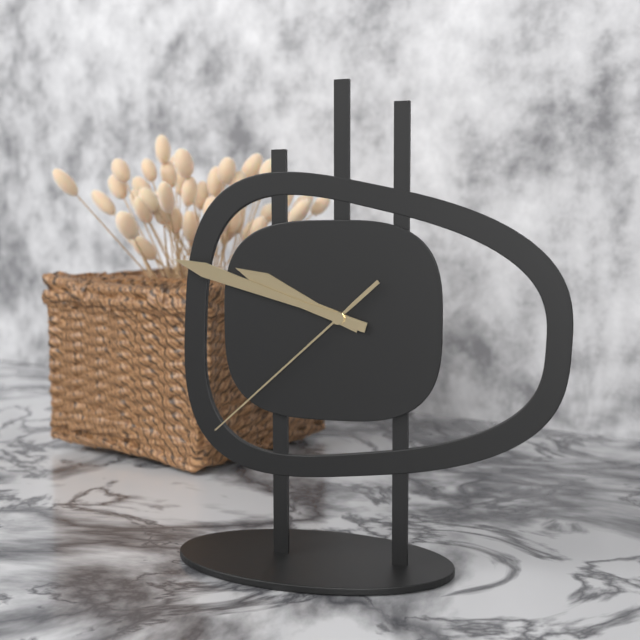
**9:48:38**
